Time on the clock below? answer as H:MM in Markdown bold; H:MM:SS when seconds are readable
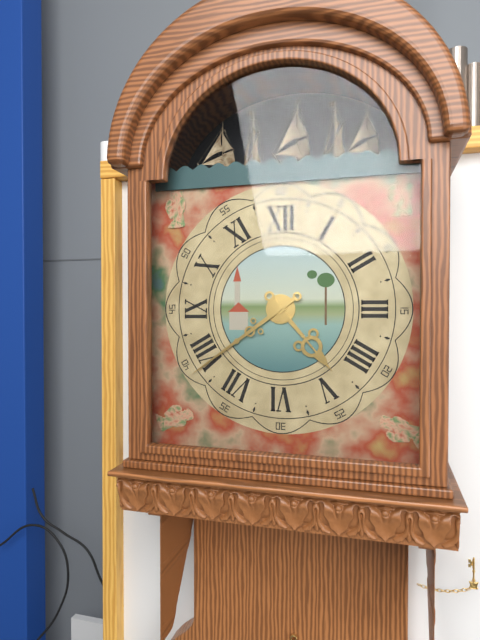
**4:39**
